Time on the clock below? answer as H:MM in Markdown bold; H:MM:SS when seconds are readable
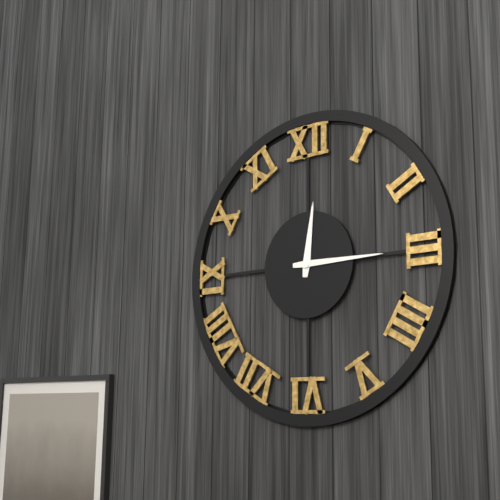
**12:15**
